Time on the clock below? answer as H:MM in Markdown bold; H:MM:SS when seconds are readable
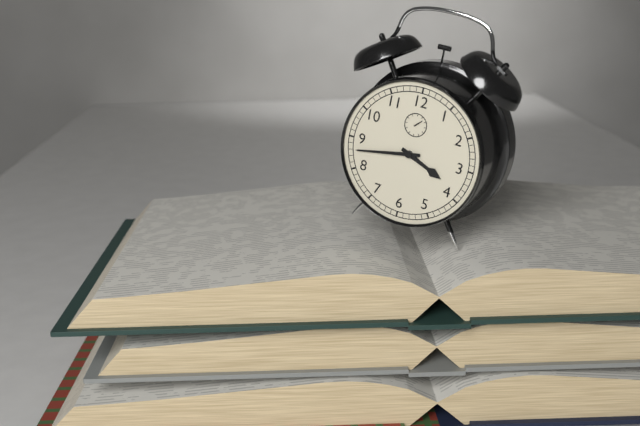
**3:43**
